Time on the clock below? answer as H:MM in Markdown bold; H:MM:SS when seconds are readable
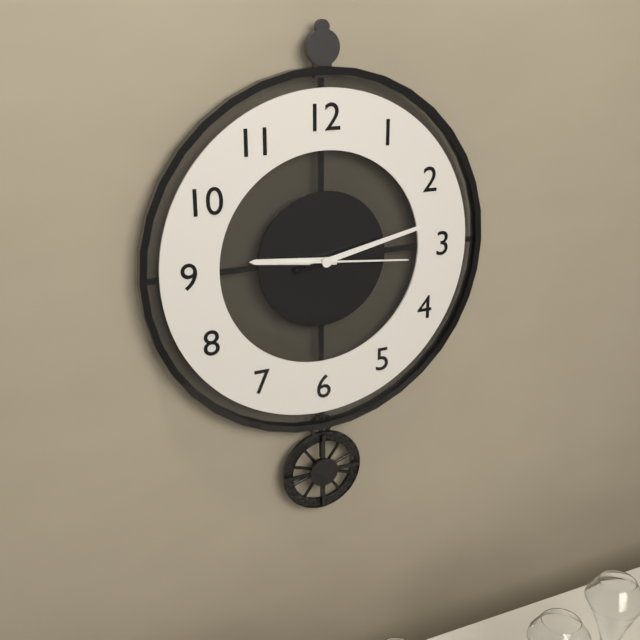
**9:13:16**
